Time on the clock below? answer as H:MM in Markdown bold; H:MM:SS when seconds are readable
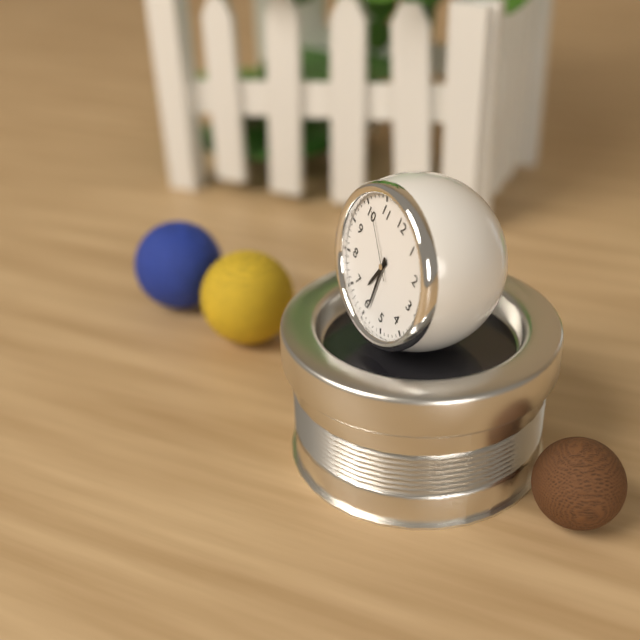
**6:29:51**
